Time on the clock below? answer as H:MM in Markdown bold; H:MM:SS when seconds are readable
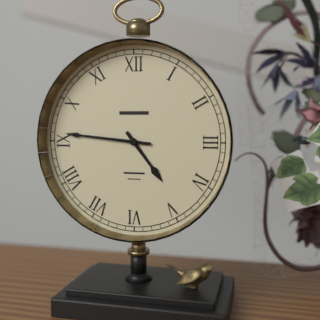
**4:46**
